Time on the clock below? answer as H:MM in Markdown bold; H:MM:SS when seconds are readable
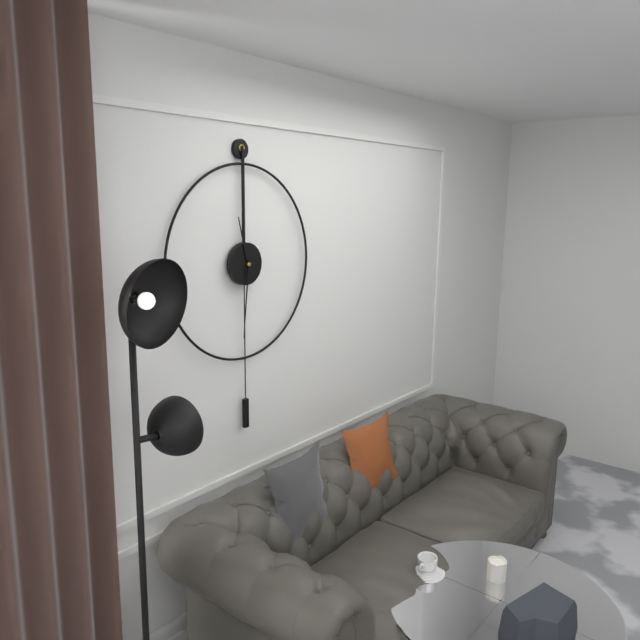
**11:31**
